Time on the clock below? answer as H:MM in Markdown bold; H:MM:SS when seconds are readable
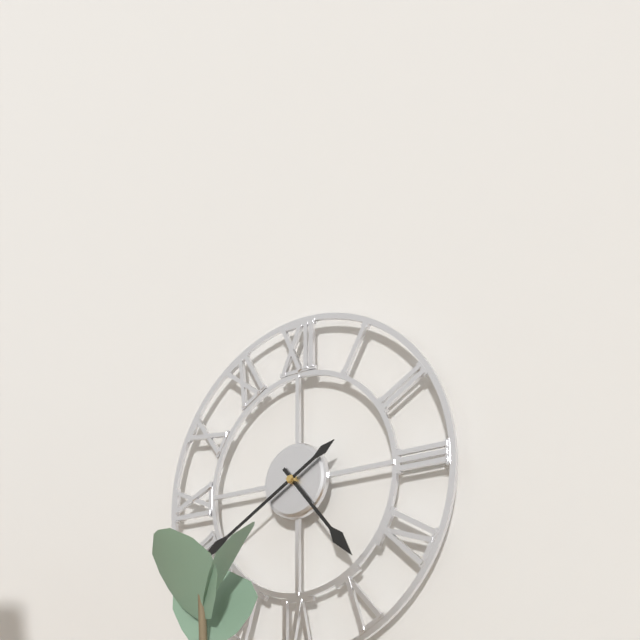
**4:40**
